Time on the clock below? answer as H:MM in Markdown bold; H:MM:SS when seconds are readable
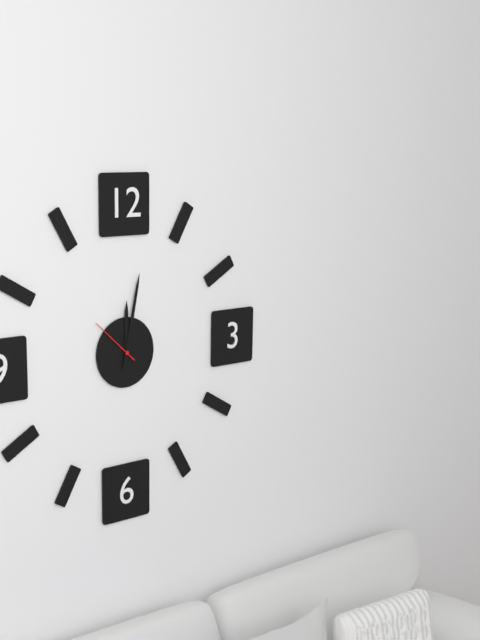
**12:02:52**
